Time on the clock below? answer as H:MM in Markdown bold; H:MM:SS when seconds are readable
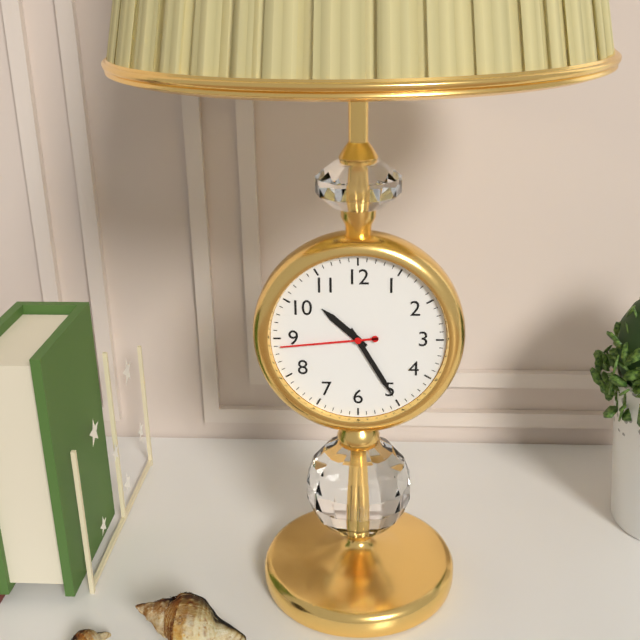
**10:25:44**
